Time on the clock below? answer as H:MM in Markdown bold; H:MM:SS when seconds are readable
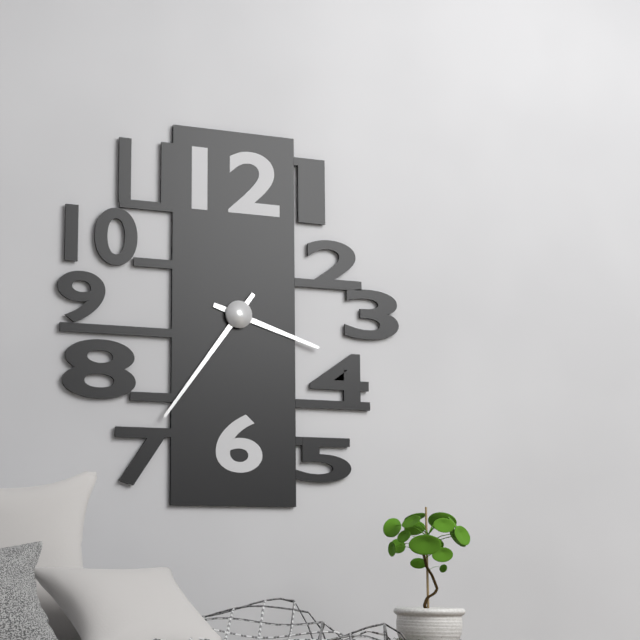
**3:36**
